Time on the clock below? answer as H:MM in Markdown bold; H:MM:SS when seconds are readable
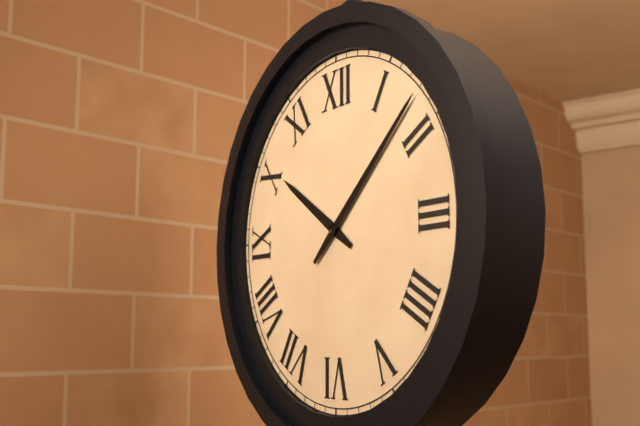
**10:08**
